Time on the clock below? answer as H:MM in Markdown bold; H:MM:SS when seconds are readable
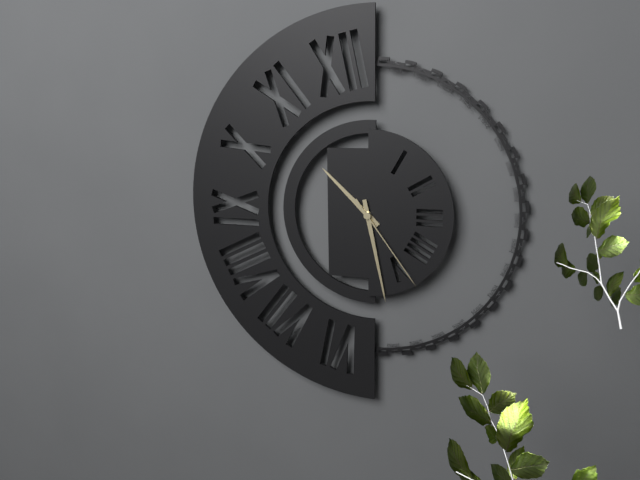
**10:28:24**
